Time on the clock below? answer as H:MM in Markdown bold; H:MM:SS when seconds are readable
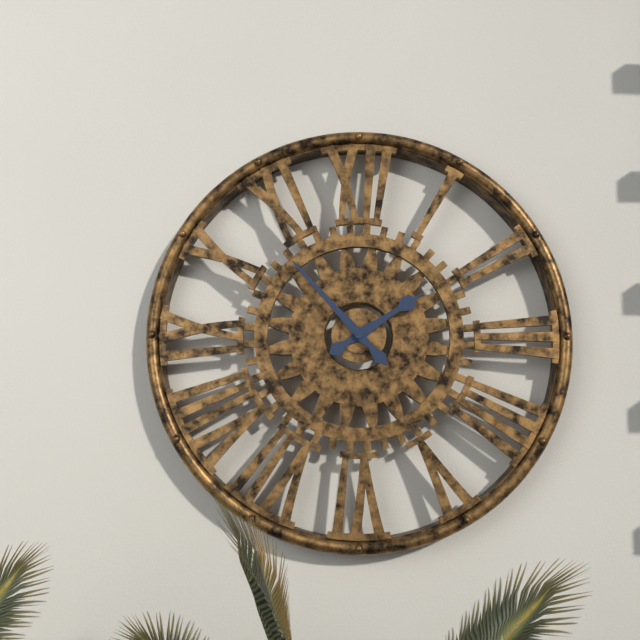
**1:53**
